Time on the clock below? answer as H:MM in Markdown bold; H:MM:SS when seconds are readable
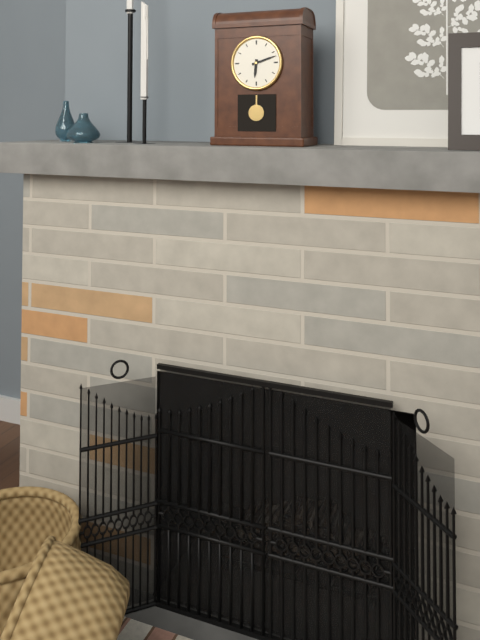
**6:12**
